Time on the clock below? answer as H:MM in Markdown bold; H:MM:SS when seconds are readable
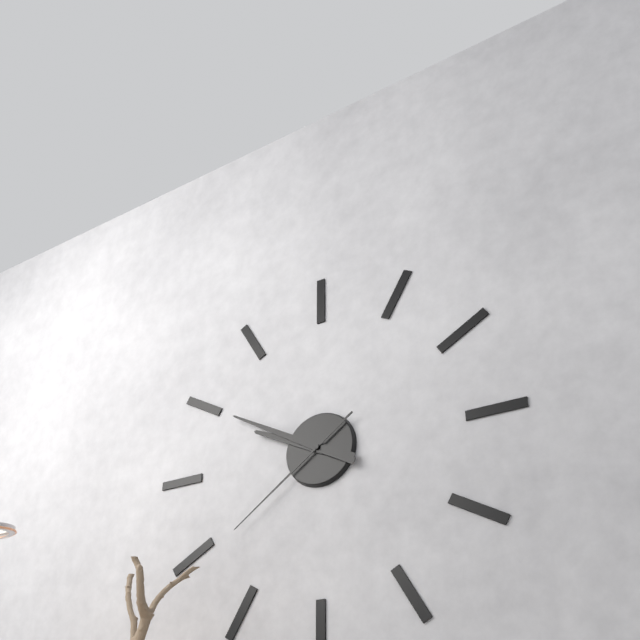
**9:50:39**
